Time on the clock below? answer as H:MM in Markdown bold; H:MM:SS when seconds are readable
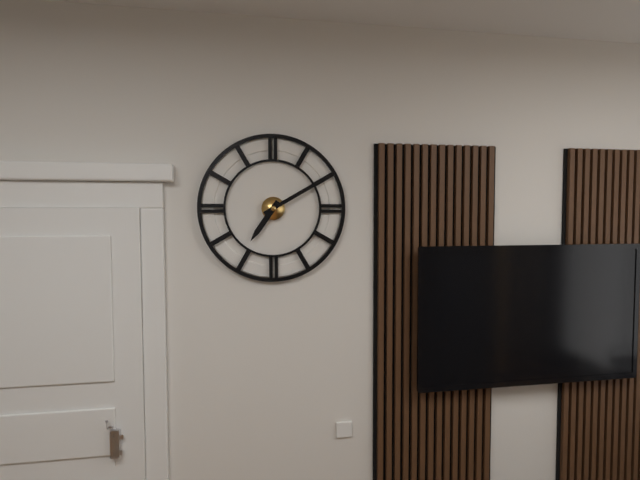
**7:10**
